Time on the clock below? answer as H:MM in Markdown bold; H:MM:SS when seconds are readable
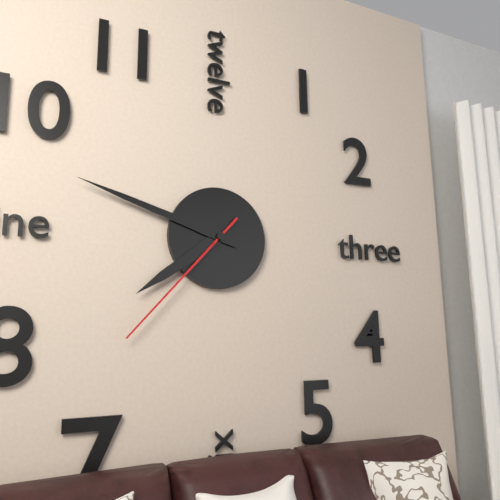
**7:48:37**
